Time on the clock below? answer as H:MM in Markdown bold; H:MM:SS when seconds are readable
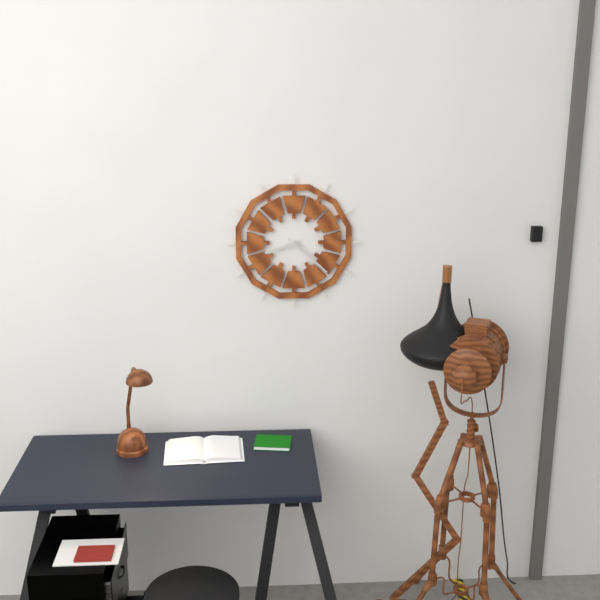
**8:22**
